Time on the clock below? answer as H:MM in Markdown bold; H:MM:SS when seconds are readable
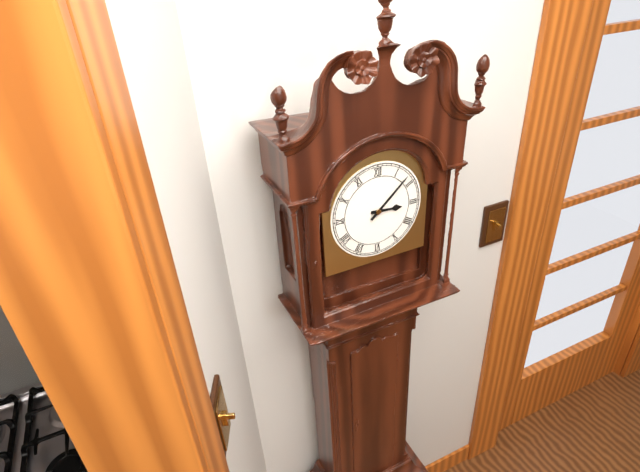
**3:08**
